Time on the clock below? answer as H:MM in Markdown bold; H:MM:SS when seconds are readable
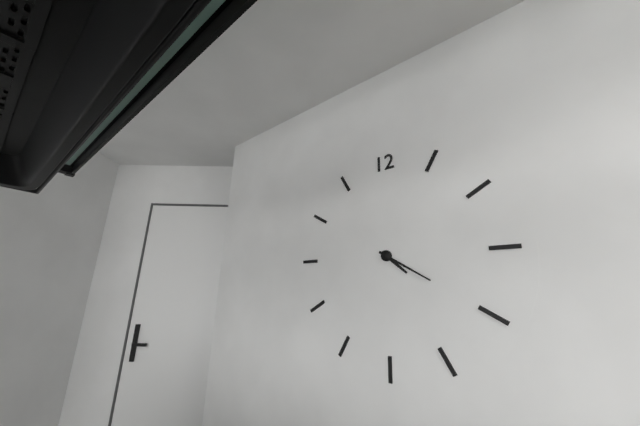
**4:20**
